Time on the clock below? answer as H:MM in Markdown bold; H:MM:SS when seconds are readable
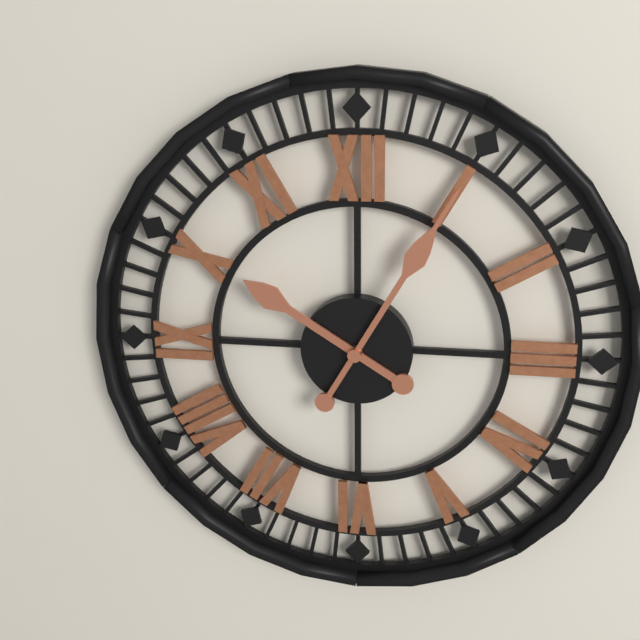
**10:05**
